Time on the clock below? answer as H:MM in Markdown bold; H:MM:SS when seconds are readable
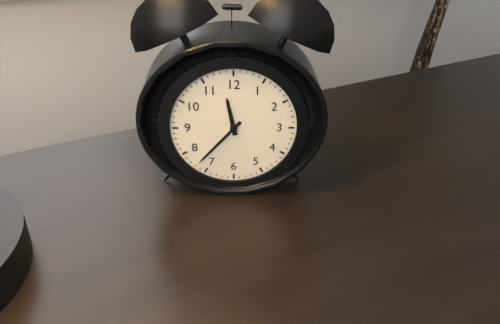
**11:37**
